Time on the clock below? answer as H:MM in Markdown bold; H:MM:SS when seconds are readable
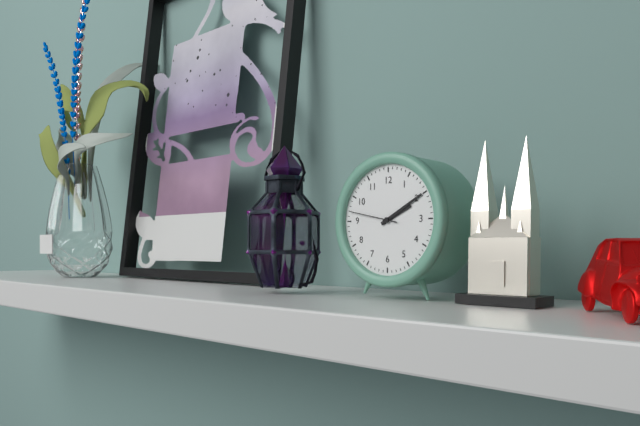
**2:10**
